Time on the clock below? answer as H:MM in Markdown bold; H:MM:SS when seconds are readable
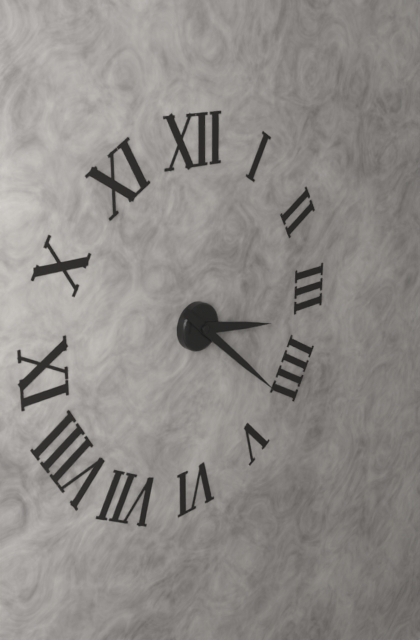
**3:22**
